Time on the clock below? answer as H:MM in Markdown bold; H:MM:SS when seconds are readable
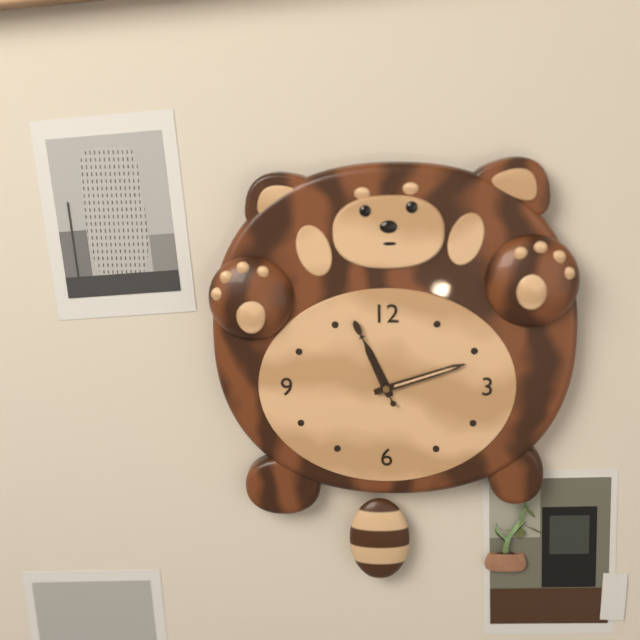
**11:12:56**
